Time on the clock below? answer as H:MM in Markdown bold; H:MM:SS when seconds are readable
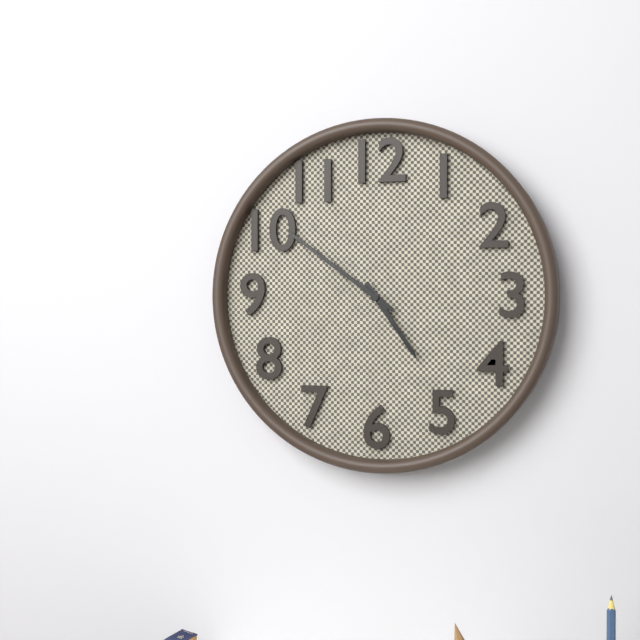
**4:51**
